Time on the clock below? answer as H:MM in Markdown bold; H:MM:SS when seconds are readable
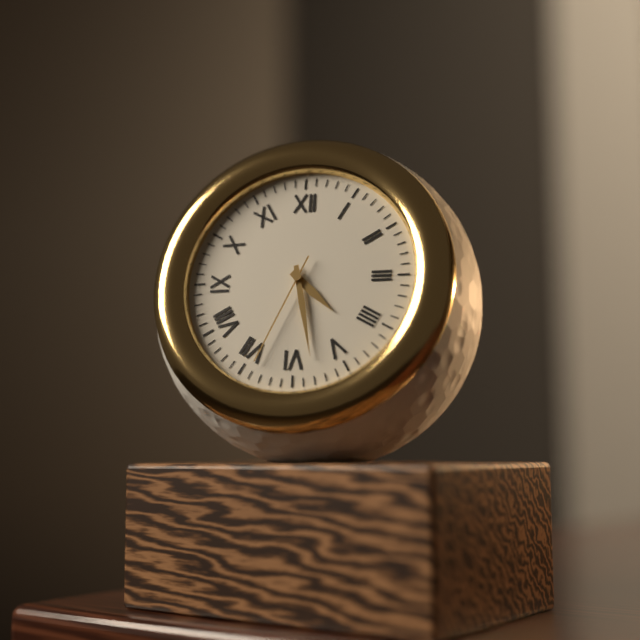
**4:28:34**
